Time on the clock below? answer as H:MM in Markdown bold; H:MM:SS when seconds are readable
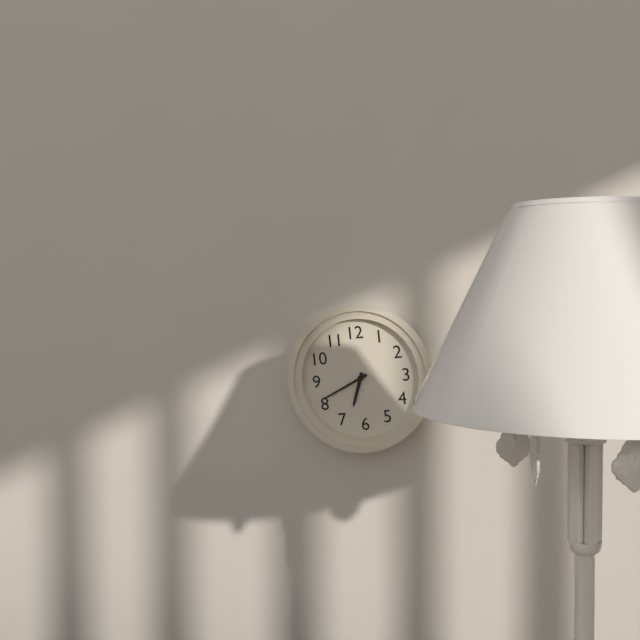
**6:41**
